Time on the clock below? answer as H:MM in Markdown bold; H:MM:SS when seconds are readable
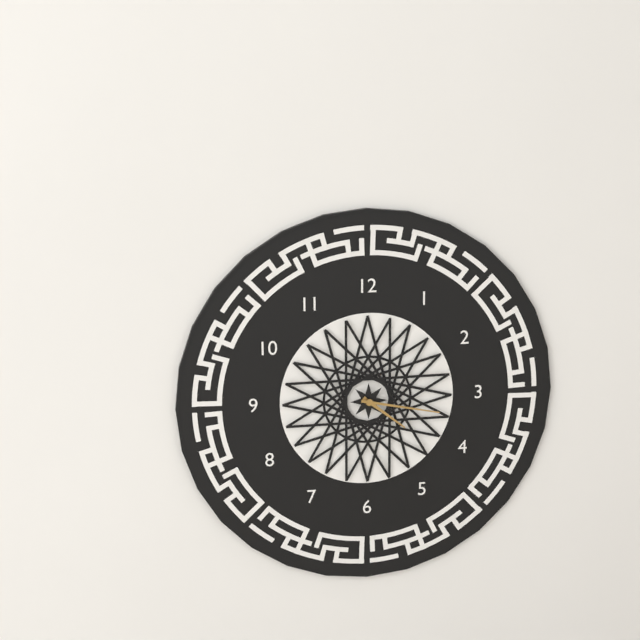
**4:17**
